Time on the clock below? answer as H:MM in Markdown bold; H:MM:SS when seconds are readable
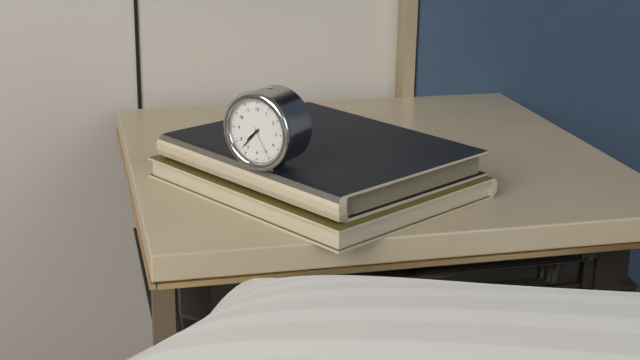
**7:37**
